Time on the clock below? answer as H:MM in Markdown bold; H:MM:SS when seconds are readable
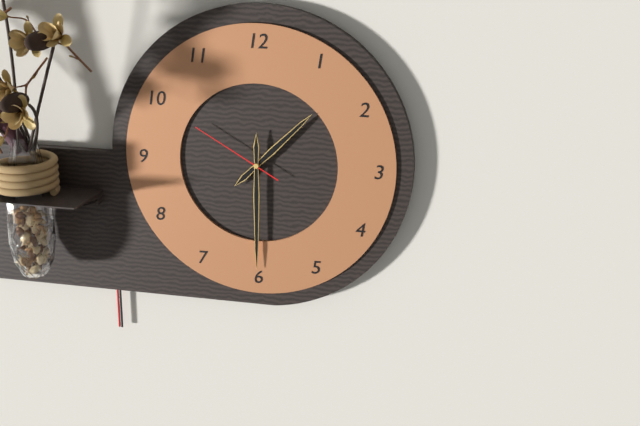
**1:30:50**
